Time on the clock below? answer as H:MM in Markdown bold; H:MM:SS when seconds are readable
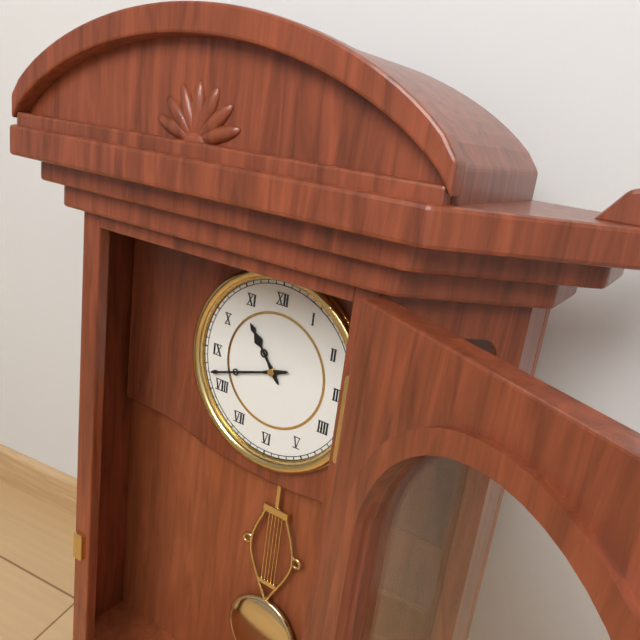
**10:42**
